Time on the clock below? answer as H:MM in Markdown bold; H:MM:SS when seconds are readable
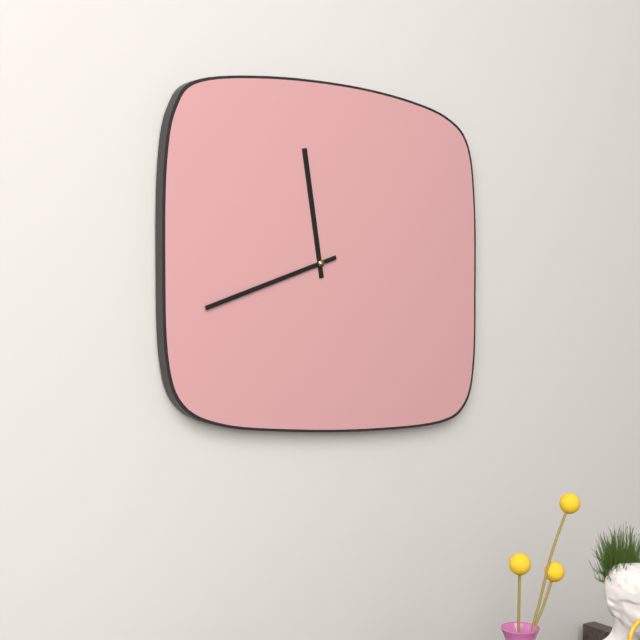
**11:42**
